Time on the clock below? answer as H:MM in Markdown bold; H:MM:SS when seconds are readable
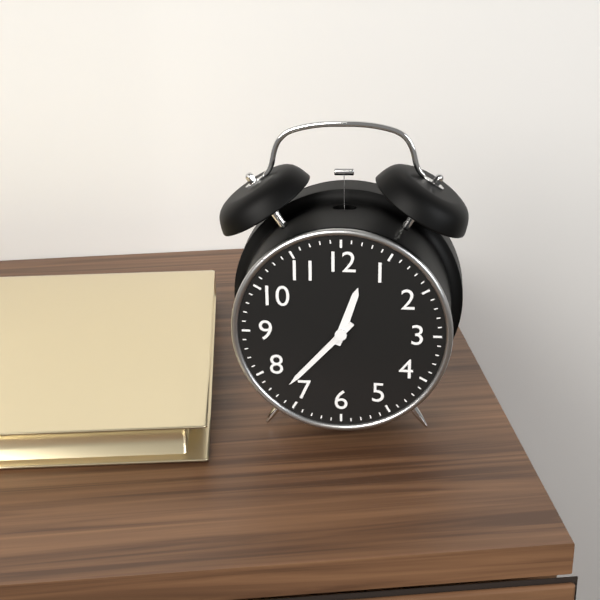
**12:37**
